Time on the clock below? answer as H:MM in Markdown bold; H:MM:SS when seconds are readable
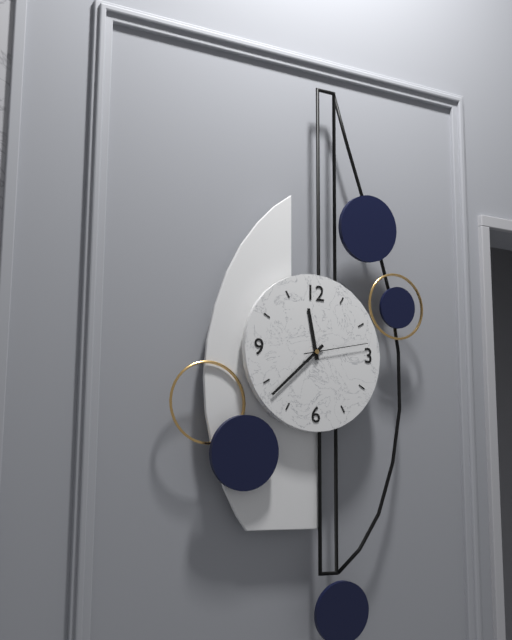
**11:38:13**
